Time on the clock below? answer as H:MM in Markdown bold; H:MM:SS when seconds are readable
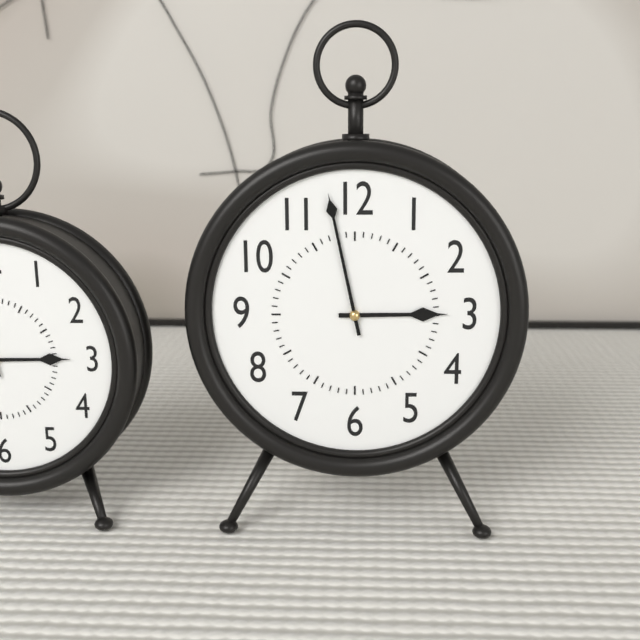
**2:58**
